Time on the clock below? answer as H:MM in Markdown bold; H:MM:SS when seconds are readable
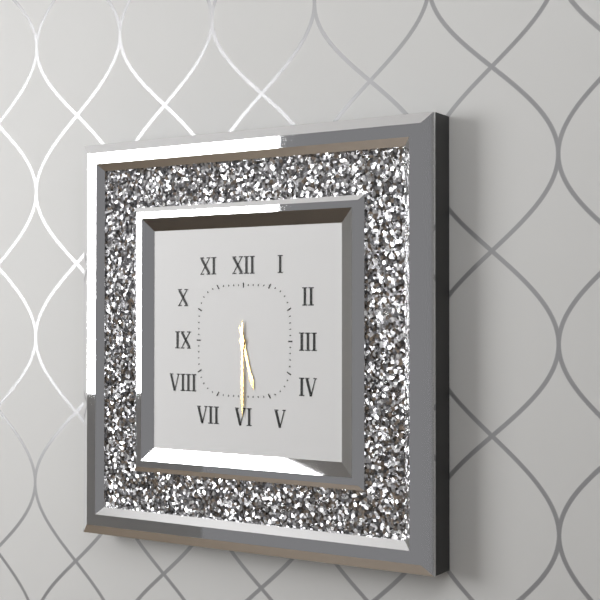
**5:30**
